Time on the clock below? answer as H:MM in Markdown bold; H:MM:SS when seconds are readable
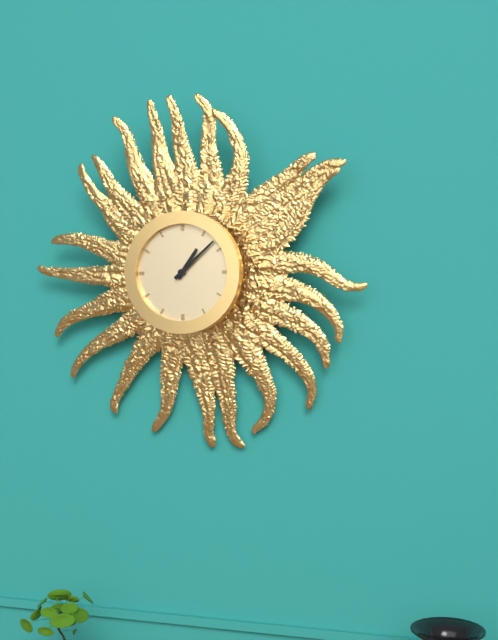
**1:08**
